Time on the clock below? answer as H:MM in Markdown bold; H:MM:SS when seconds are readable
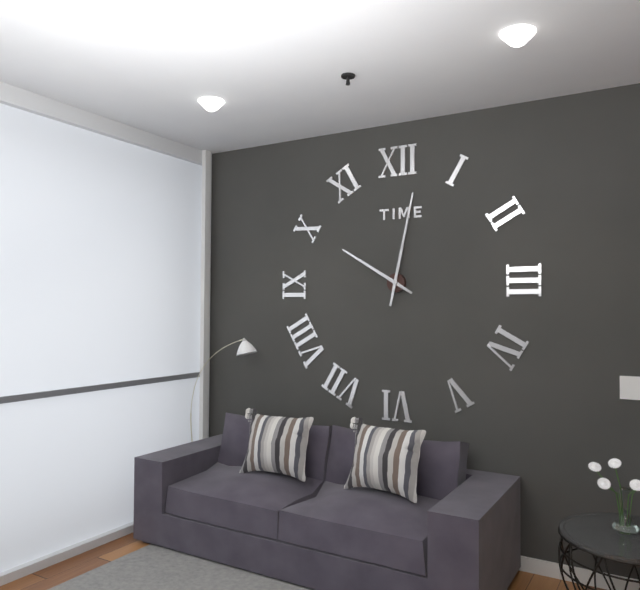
**10:02**
